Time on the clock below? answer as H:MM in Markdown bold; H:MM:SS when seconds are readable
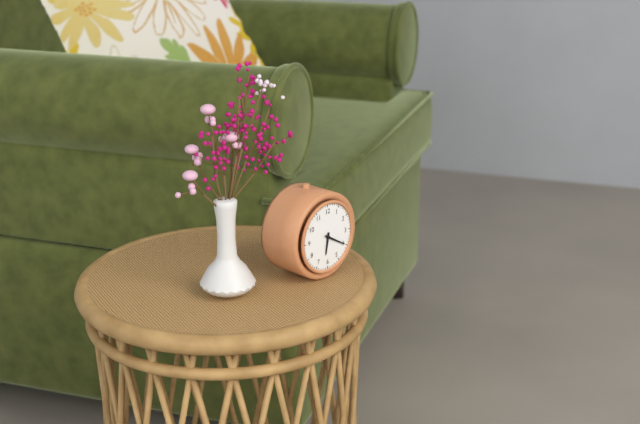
**6:20**
